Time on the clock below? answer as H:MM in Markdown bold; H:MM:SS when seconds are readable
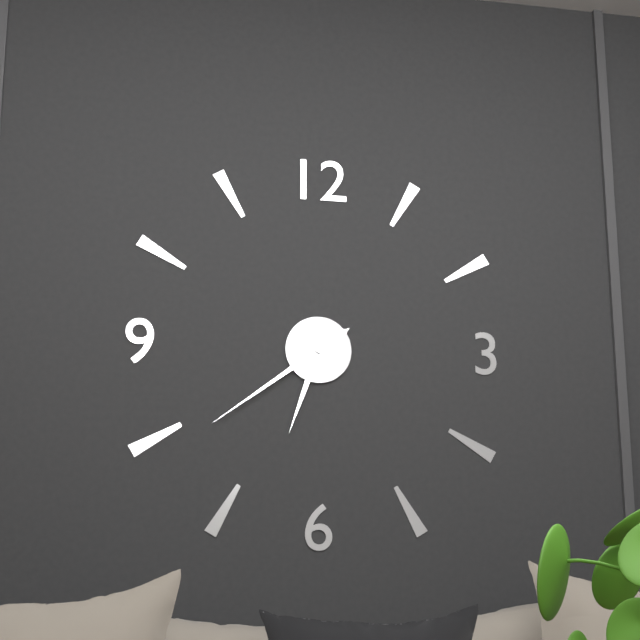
**6:39**
